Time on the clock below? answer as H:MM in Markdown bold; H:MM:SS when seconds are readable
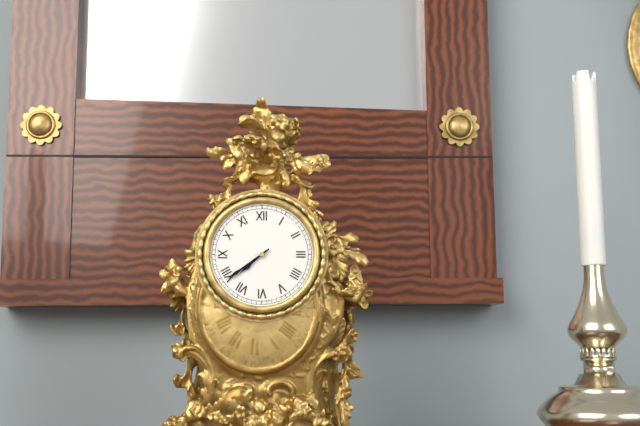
**7:39**
